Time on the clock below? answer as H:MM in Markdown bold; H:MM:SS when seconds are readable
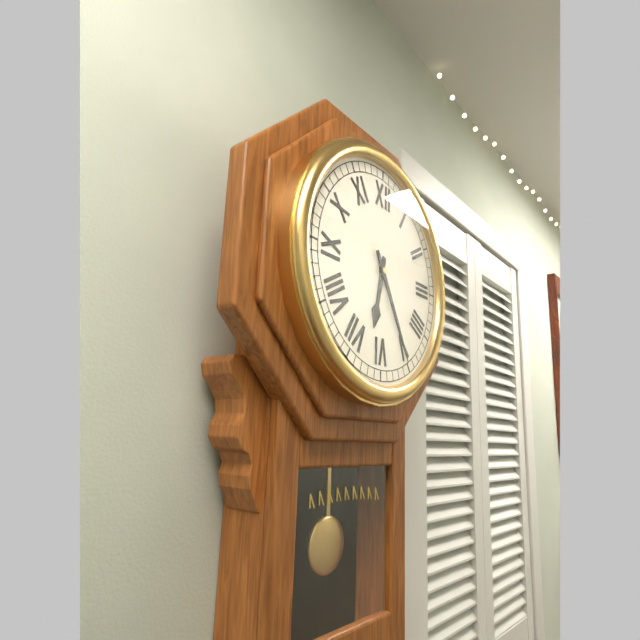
**6:25**
